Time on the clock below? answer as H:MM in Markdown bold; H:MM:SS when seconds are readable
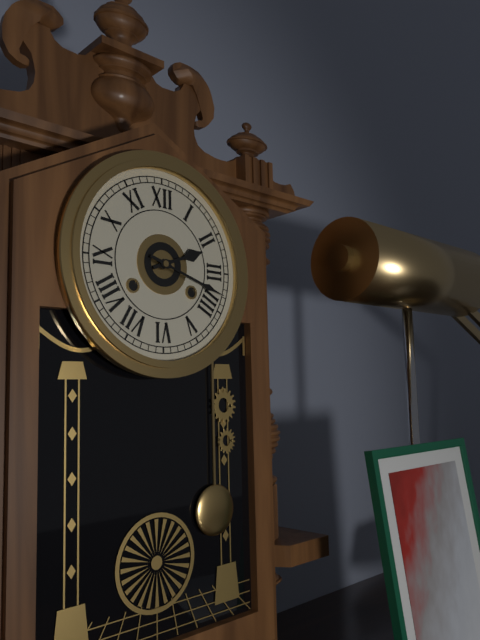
**2:18**
